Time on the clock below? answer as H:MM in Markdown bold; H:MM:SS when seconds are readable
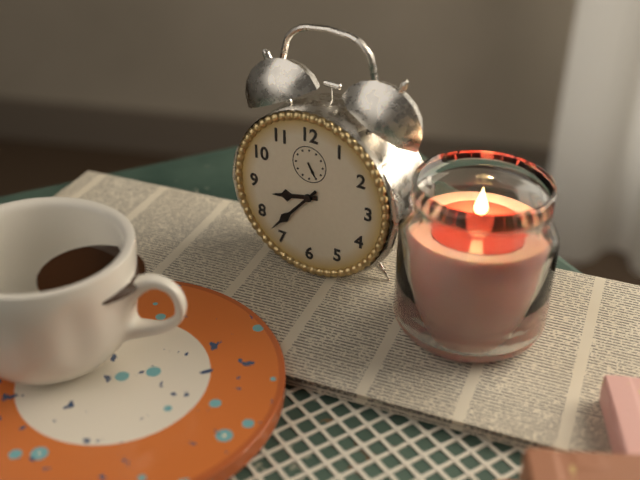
**8:37**
